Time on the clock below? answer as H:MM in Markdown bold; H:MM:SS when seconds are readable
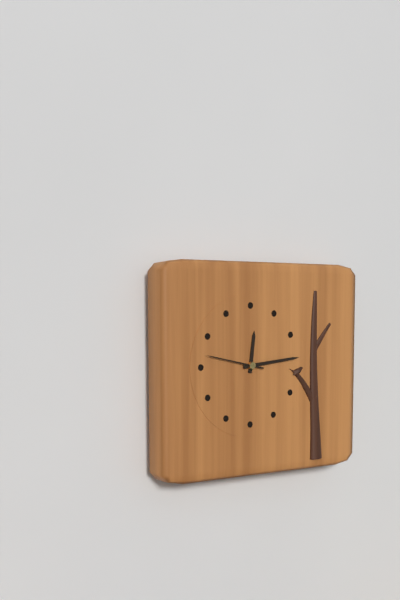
**12:14:47**
